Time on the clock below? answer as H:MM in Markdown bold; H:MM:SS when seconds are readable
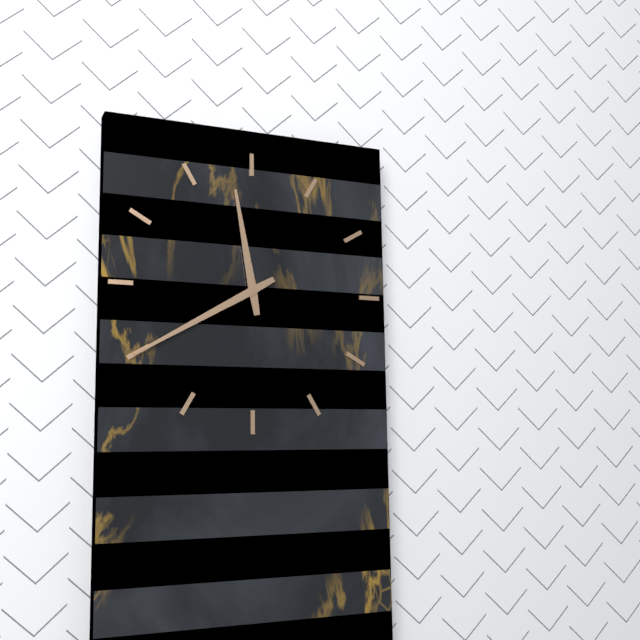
**11:40**
